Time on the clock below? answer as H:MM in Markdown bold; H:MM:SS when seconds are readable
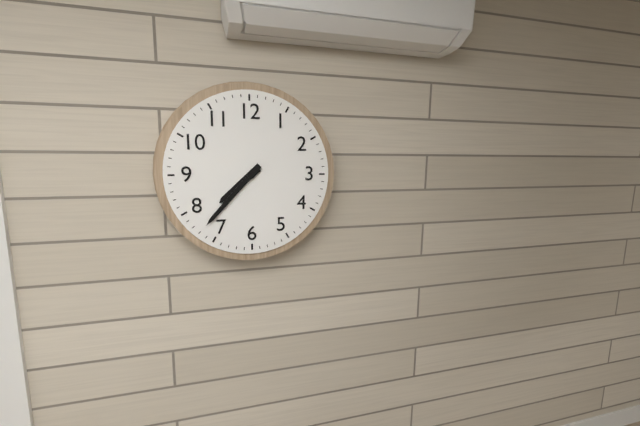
**7:37**
